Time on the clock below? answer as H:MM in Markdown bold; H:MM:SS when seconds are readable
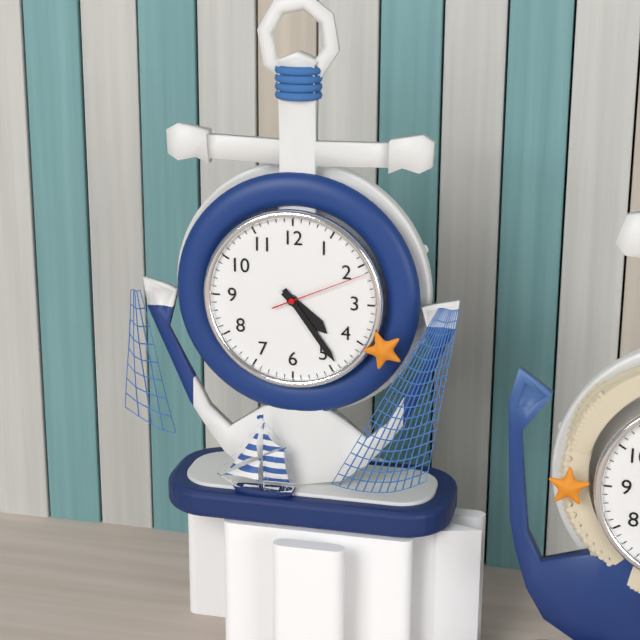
**4:24:11**
